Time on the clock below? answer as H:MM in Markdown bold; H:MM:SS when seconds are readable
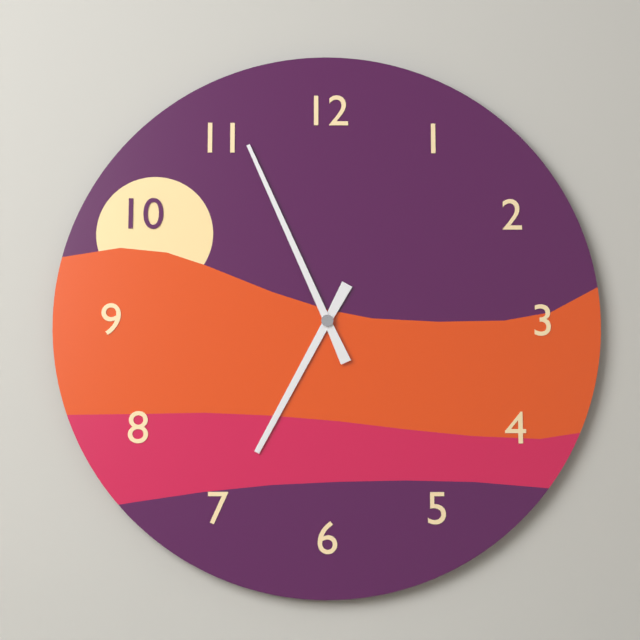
**6:56**
